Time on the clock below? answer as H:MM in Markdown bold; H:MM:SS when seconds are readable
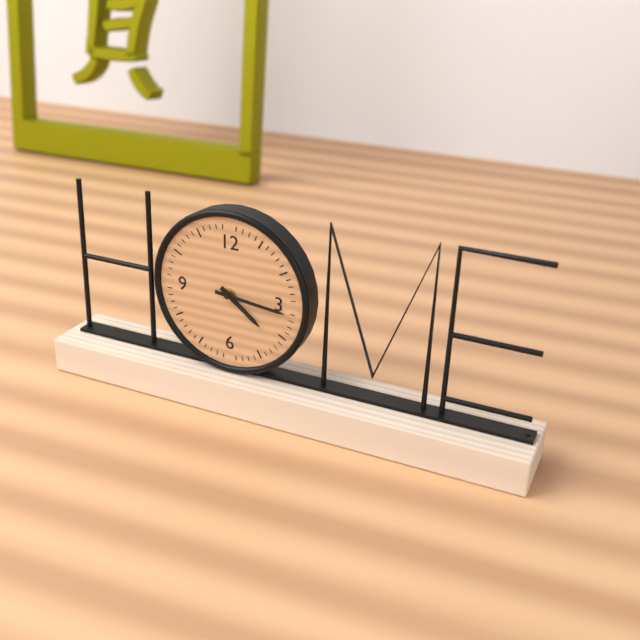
**4:16**
